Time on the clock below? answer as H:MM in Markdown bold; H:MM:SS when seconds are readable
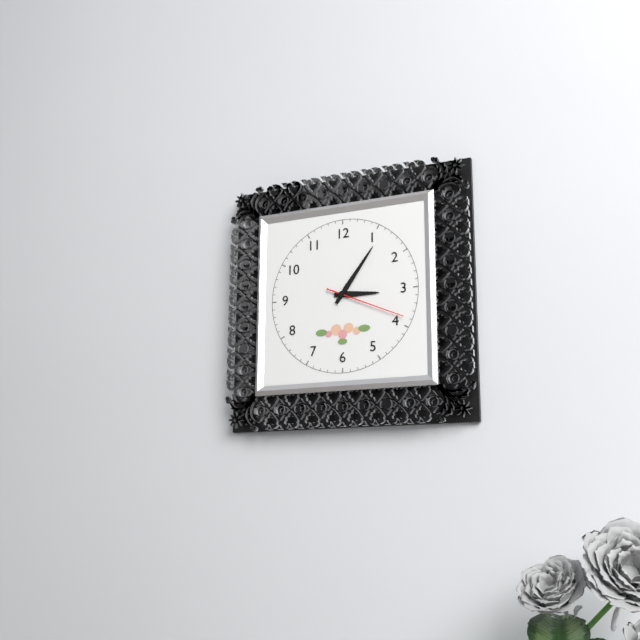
**3:06:19**
